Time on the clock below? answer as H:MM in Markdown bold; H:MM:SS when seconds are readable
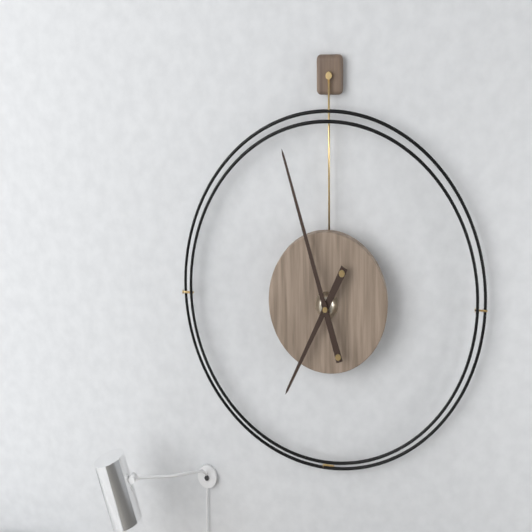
**6:57**
